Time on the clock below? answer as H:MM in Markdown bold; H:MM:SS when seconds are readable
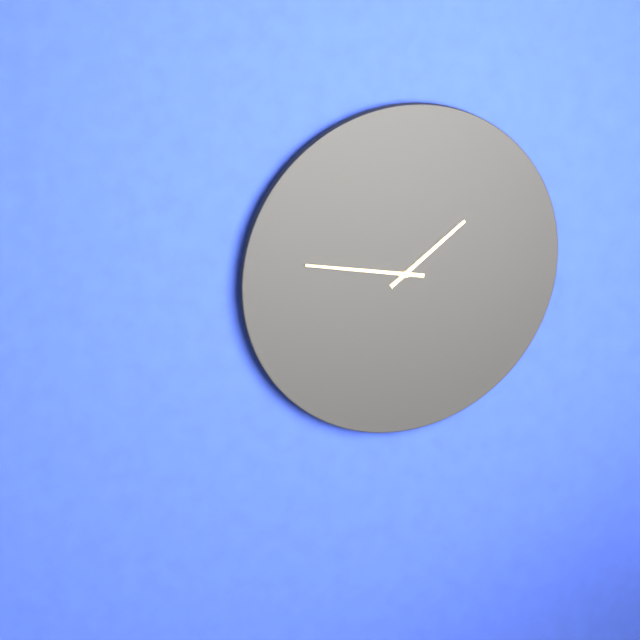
**1:47**
